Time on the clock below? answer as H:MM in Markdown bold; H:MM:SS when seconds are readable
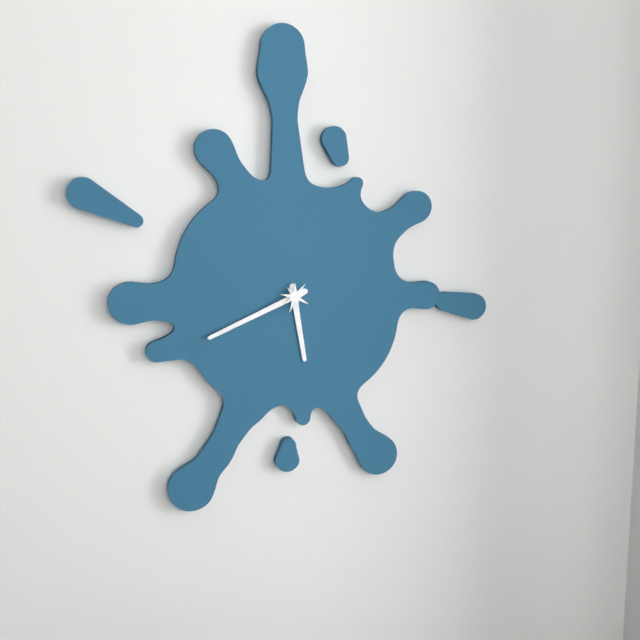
**5:41**
